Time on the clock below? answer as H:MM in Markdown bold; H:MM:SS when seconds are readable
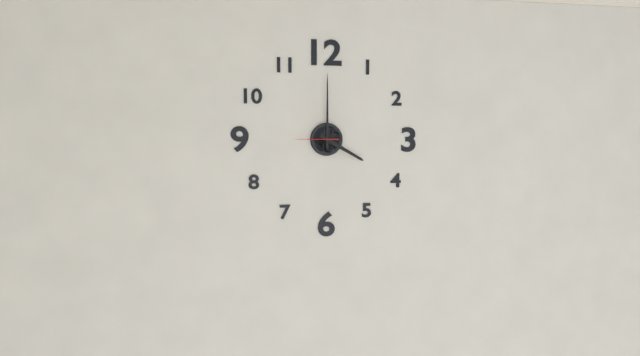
**4:00**
